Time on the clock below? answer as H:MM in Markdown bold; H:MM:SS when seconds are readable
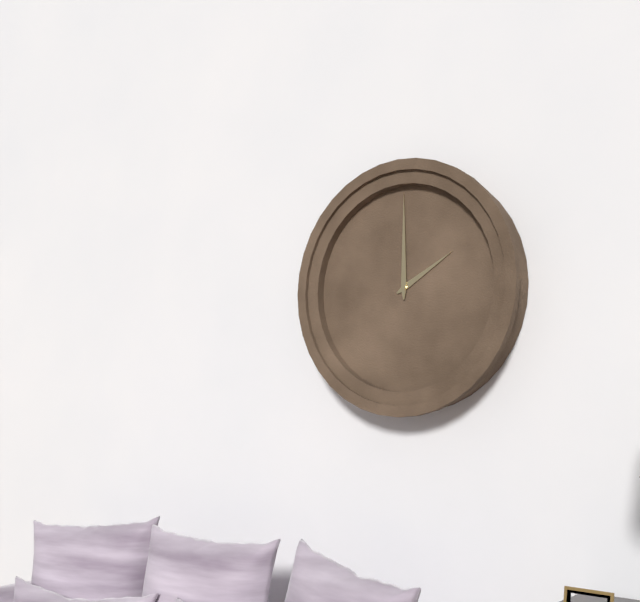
**2:00**
